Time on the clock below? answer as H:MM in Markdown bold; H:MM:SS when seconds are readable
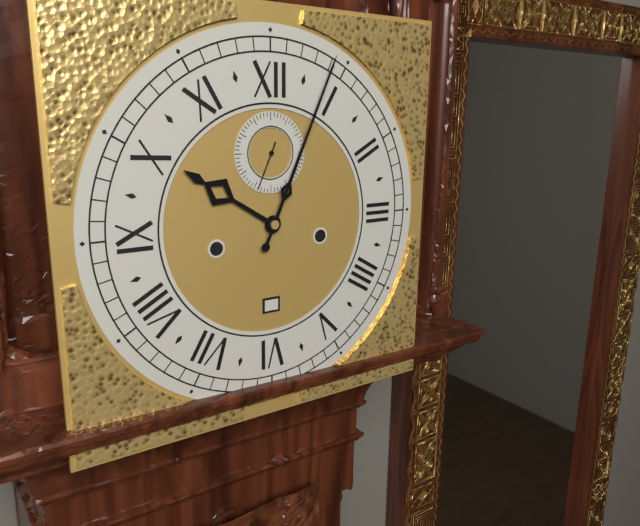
**10:04**
